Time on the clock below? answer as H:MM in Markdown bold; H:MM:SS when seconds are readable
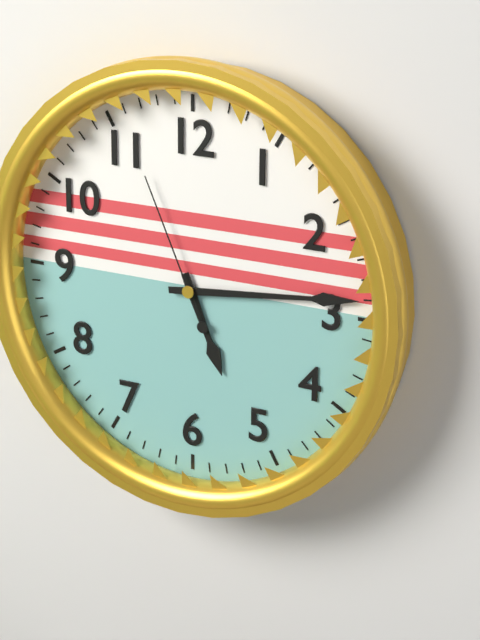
**5:14:56**
